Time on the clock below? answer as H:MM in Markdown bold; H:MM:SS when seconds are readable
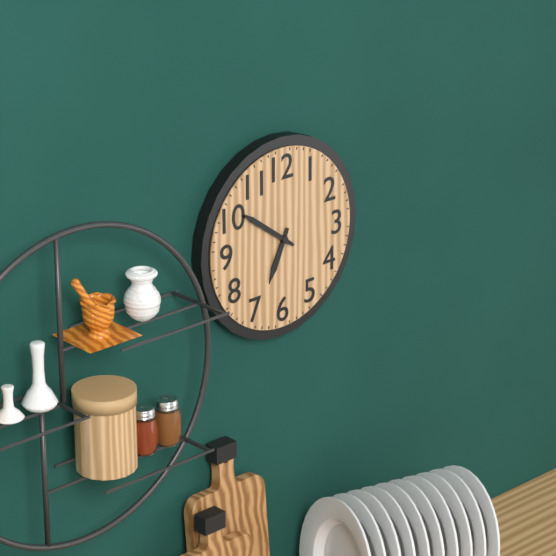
**6:51**
